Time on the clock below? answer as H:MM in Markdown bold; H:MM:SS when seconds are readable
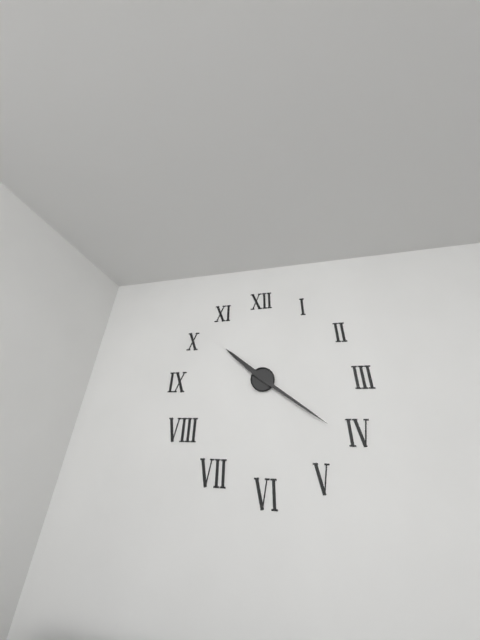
**10:21**
